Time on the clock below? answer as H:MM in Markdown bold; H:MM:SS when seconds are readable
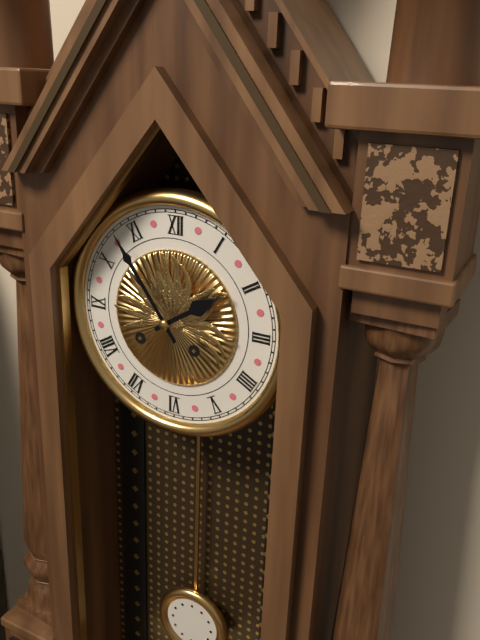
**1:54**
